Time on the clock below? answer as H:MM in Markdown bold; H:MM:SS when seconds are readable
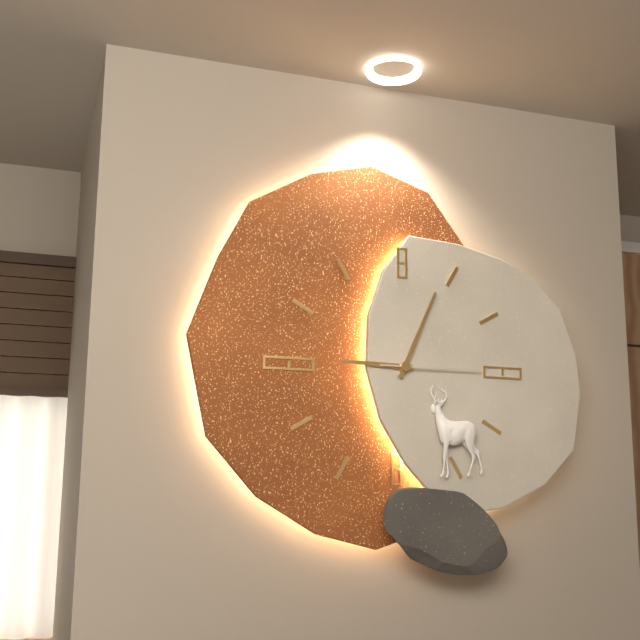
**9:04:15**
